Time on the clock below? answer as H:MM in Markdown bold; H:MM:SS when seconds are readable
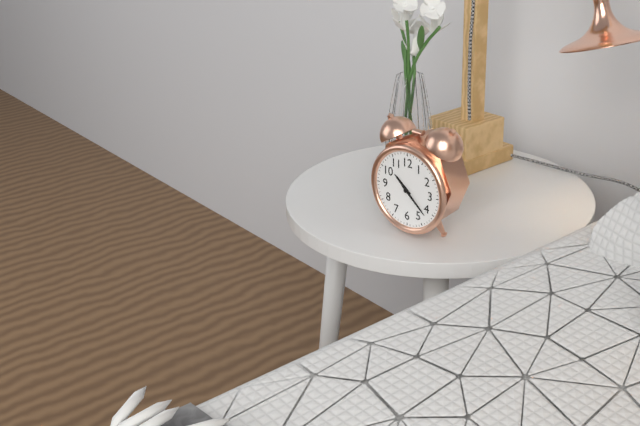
**10:22**
